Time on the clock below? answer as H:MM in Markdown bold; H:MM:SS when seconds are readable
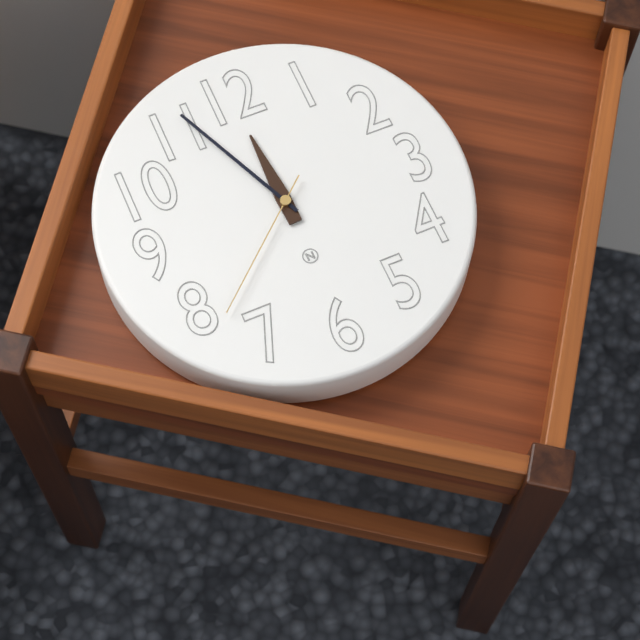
**11:56:38**
